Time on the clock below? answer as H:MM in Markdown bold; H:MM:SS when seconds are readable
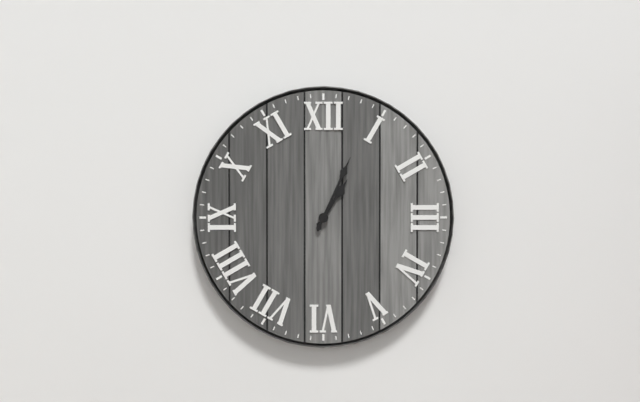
**1:04**
